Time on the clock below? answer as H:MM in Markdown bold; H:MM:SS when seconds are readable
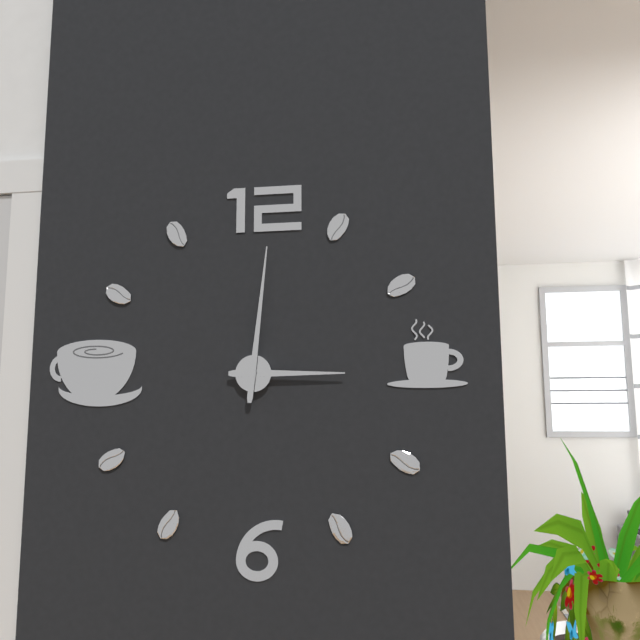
**3:01**
